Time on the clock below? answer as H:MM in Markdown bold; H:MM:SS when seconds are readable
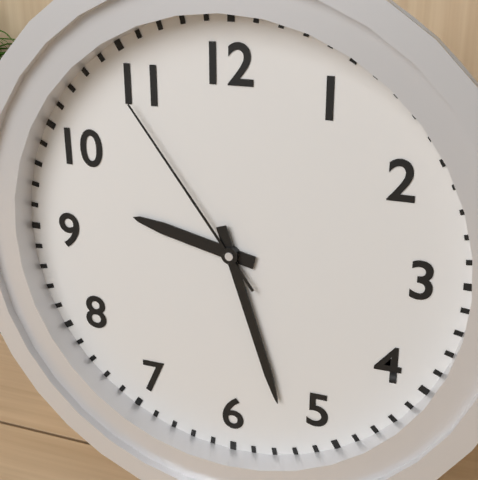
**9:27:54**
